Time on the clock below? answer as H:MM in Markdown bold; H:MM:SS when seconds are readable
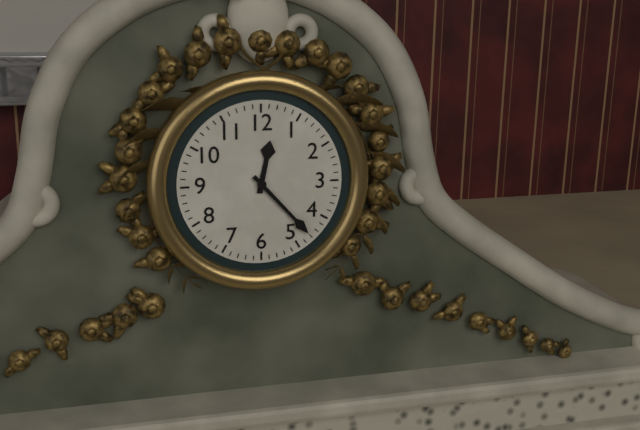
**12:23**
